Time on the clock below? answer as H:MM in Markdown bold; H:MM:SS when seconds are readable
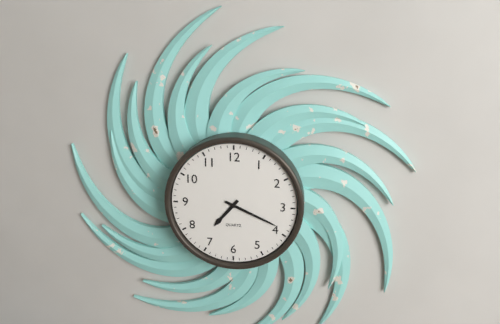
**7:19**
